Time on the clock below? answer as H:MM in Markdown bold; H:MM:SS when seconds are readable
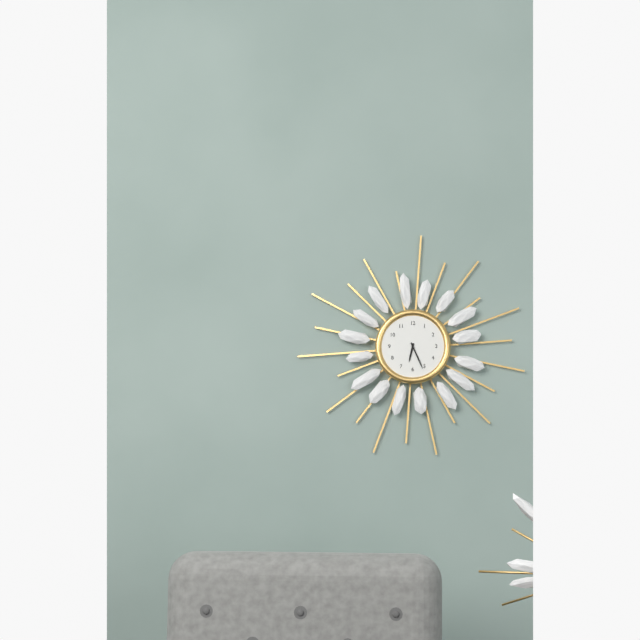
**6:26**
